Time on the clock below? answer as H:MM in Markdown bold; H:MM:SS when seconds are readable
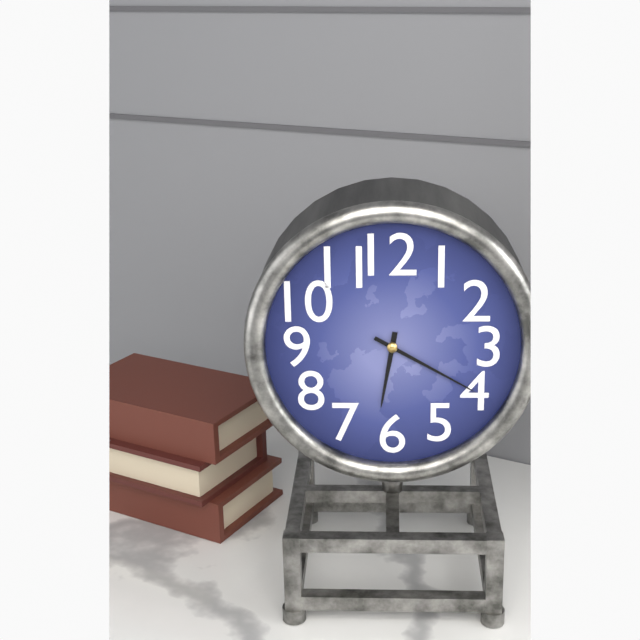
**6:20**
